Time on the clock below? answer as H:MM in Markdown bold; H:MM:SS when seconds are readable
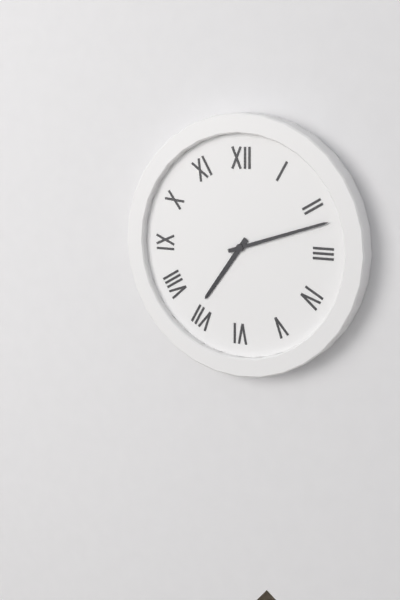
**7:12**
